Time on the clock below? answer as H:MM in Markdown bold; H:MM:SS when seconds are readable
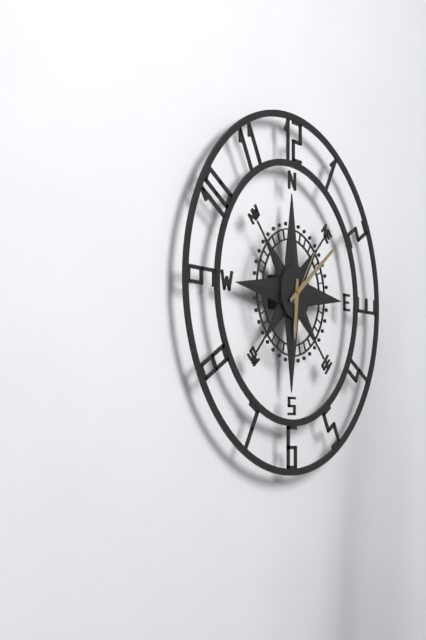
**6:09:06**
